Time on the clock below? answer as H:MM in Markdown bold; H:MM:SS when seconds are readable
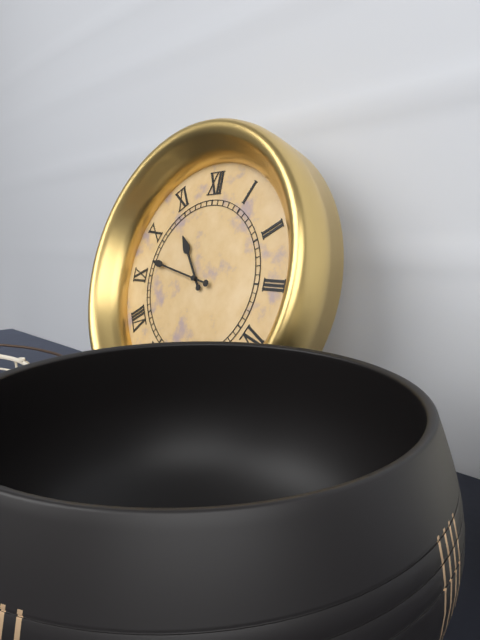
**10:47**
